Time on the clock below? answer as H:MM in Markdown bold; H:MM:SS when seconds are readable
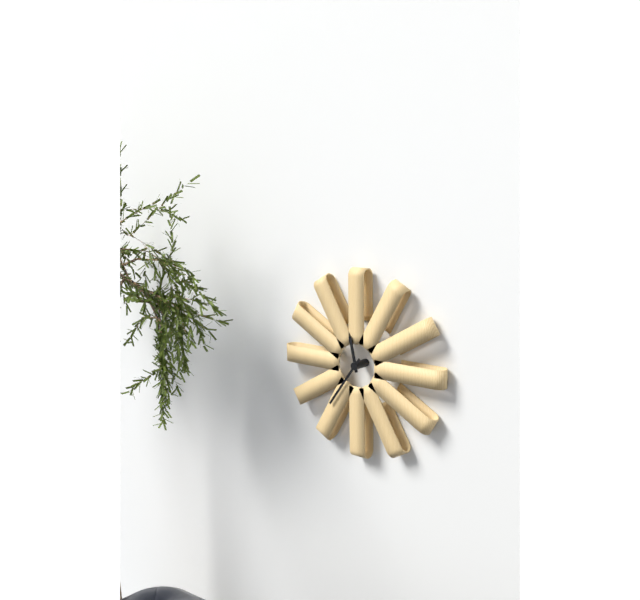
**11:36**
